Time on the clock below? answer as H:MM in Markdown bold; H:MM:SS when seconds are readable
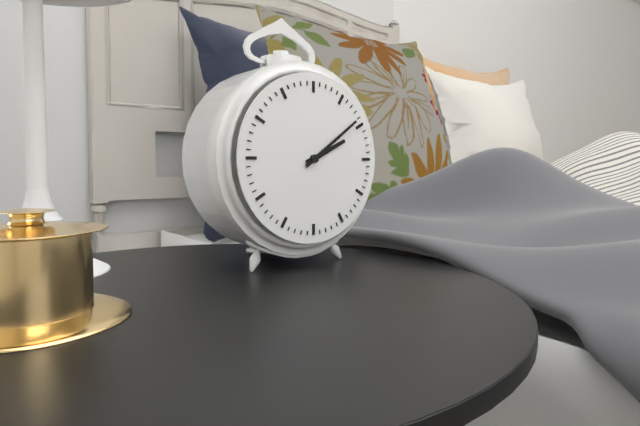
**2:09**
